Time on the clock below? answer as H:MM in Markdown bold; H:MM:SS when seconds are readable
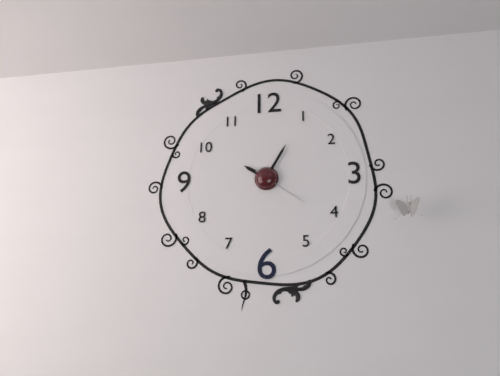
**10:05:21**
